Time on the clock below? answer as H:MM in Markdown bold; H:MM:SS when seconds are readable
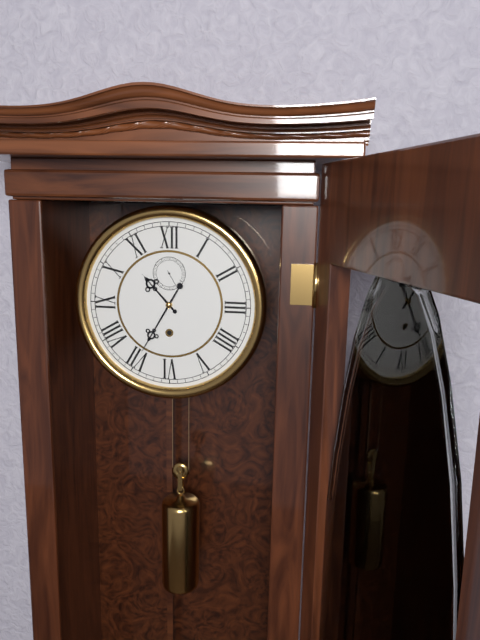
**10:35**
